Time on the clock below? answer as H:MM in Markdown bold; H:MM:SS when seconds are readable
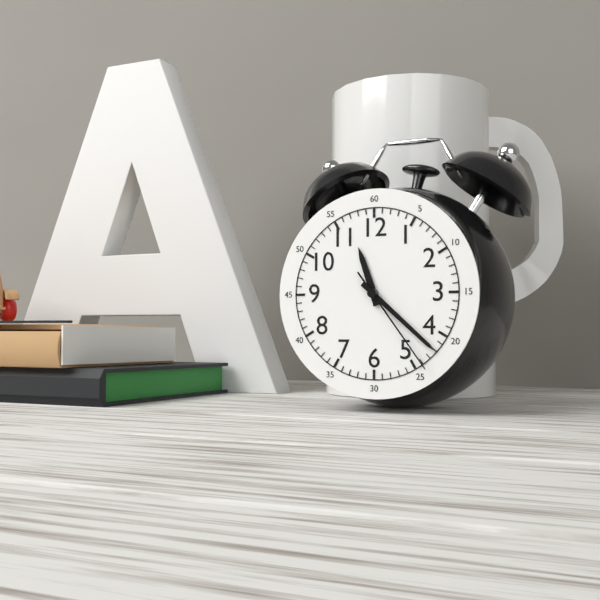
**11:22:24**
